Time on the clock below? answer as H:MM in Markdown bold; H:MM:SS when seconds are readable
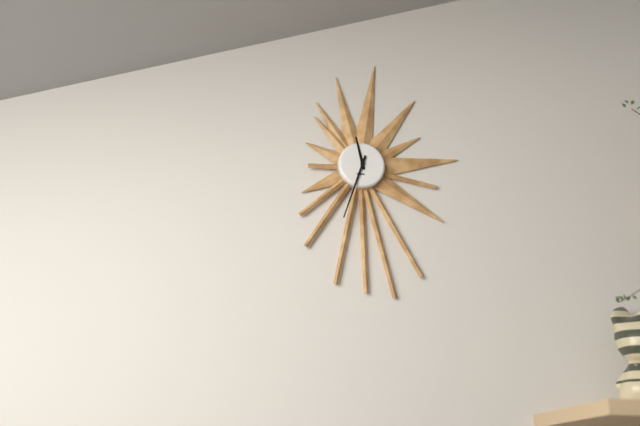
**11:33**
